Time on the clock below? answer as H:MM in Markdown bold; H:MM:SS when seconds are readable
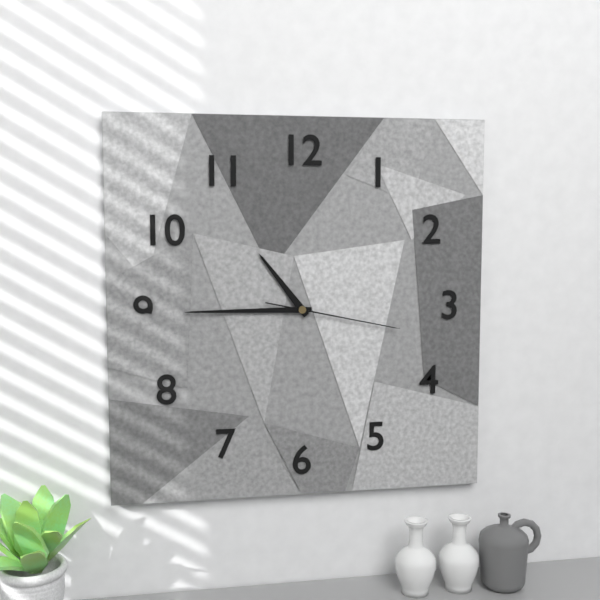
**10:45:17**
